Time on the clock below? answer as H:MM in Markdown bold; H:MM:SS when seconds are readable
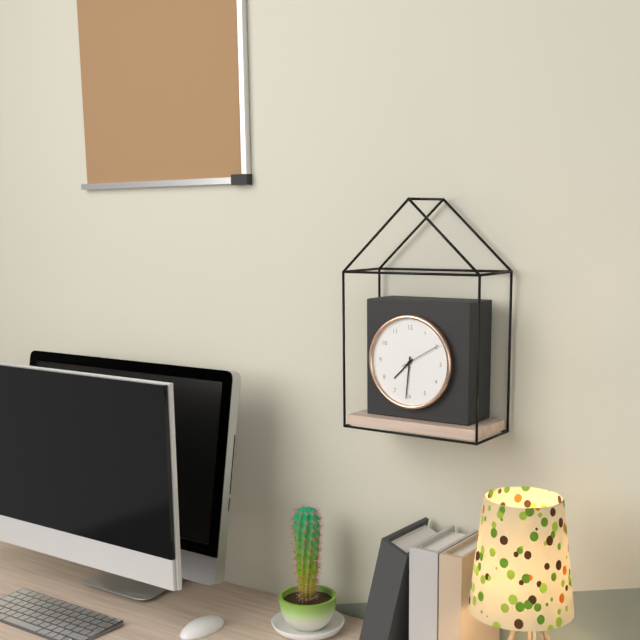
**7:31**
